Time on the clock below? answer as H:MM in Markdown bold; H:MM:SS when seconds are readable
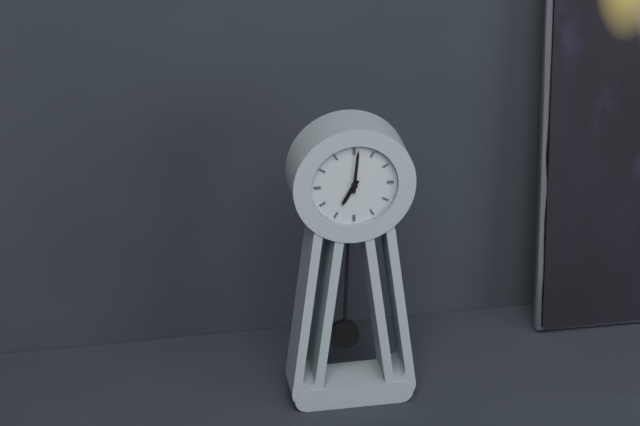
**7:01**
